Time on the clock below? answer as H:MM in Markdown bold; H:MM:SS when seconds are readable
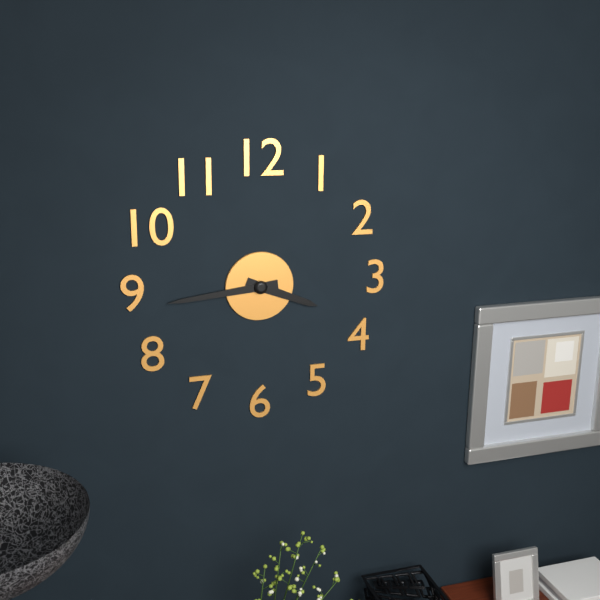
**3:44**
